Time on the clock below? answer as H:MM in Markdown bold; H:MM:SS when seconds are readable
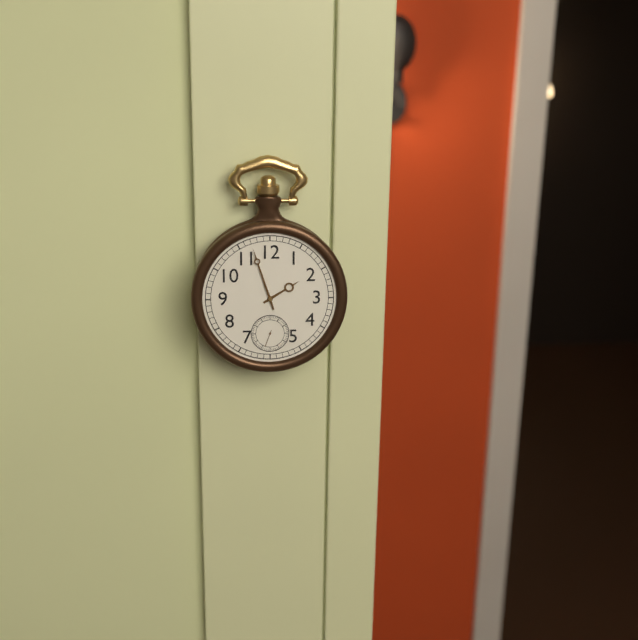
**1:57**
